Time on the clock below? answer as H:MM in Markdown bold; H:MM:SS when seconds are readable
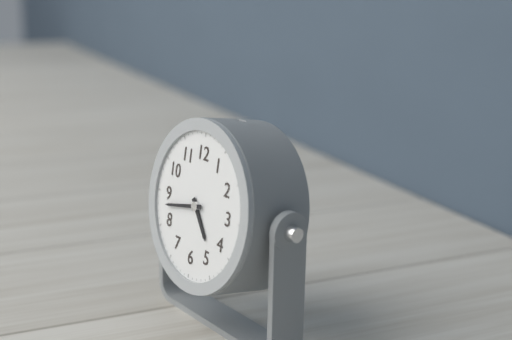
**4:43**
